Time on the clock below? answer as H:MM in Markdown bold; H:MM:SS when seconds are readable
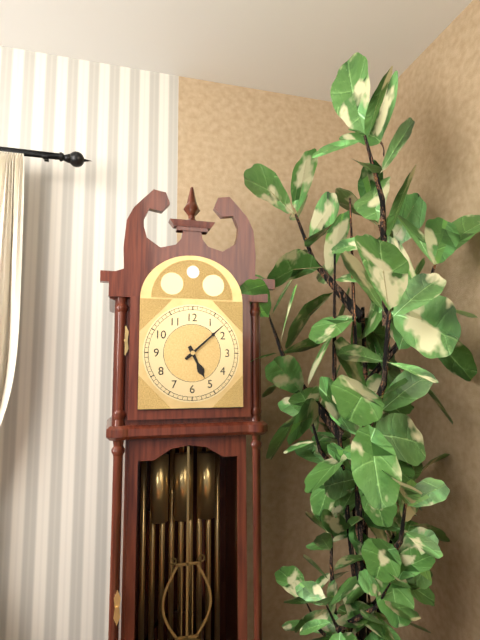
**5:08**
